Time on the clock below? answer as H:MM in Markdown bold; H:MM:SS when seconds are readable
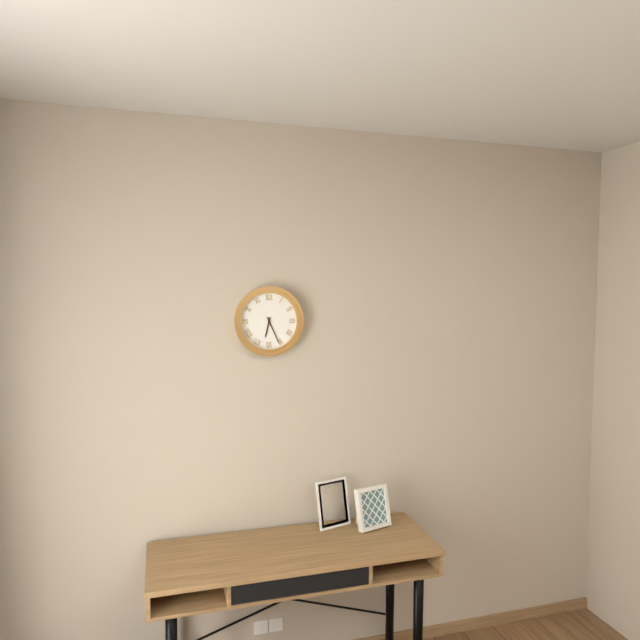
**6:26**
